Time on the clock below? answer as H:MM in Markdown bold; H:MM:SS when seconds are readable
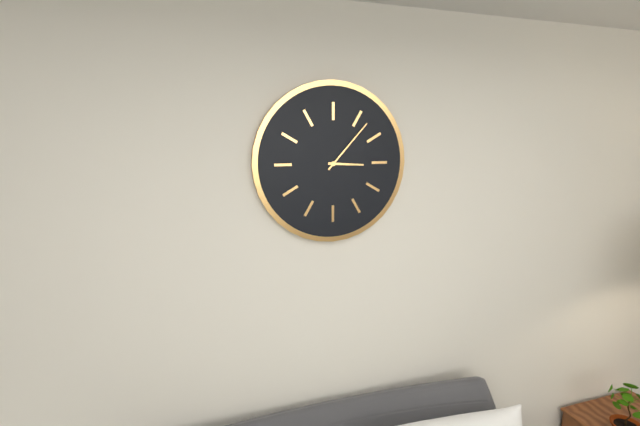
**3:07**
